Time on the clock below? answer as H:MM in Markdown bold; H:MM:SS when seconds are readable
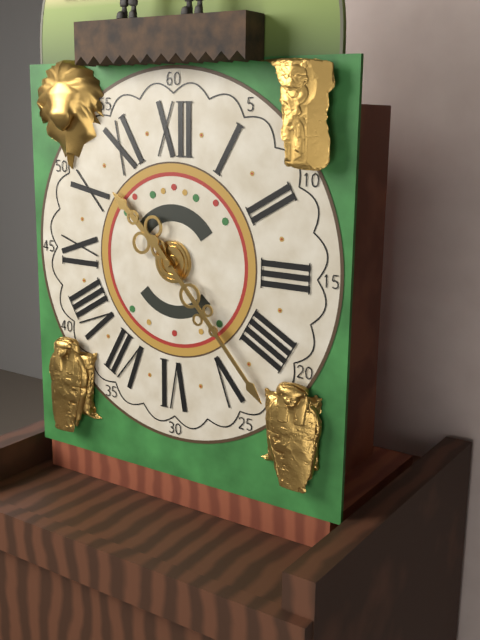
**10:23**
